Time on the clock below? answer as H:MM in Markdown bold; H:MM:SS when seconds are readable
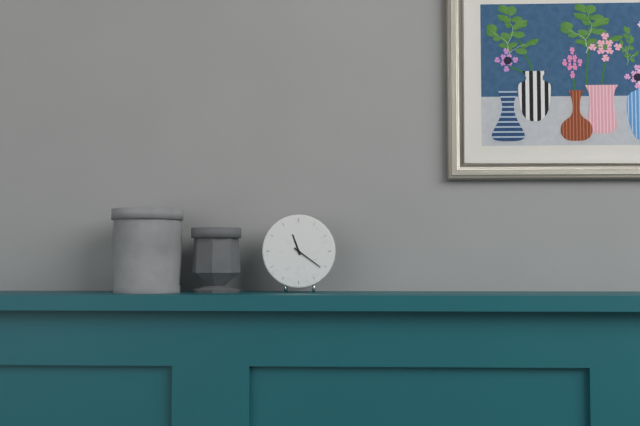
**11:21**
